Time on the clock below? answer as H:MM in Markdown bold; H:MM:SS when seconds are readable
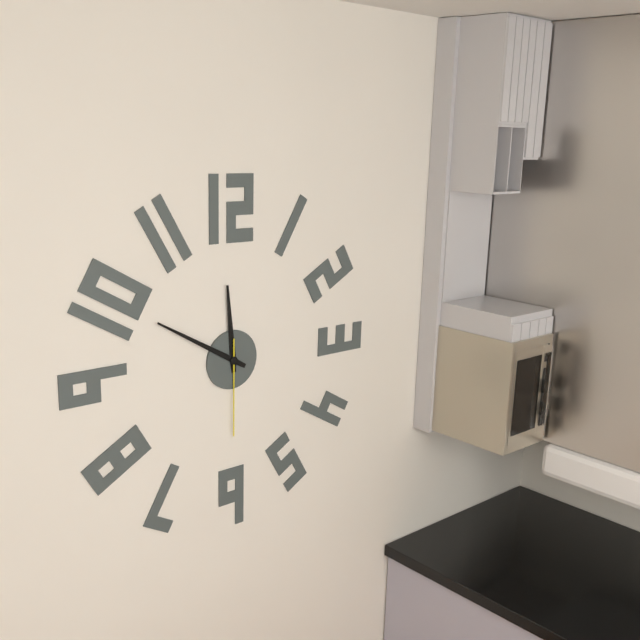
**11:50:30**
